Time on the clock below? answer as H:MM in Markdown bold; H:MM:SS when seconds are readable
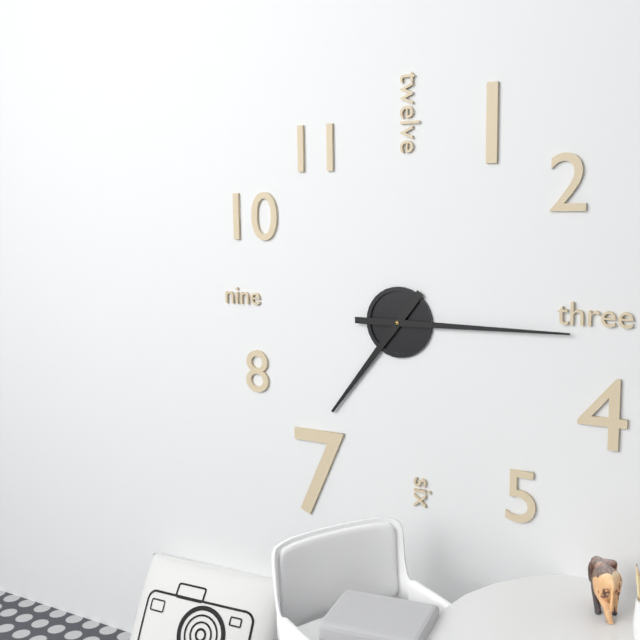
**7:15**
